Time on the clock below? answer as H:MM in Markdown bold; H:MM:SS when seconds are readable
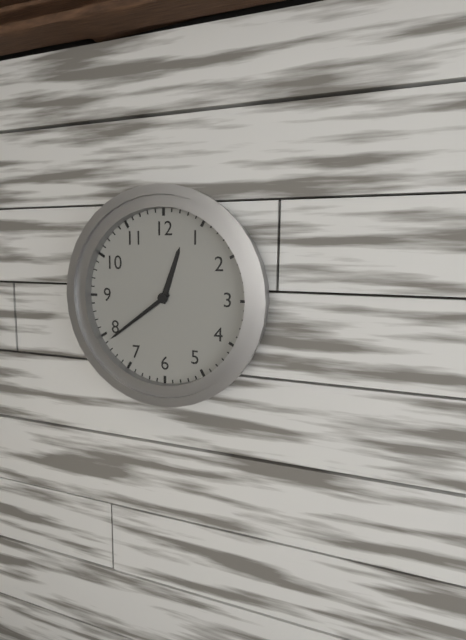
**12:39**
